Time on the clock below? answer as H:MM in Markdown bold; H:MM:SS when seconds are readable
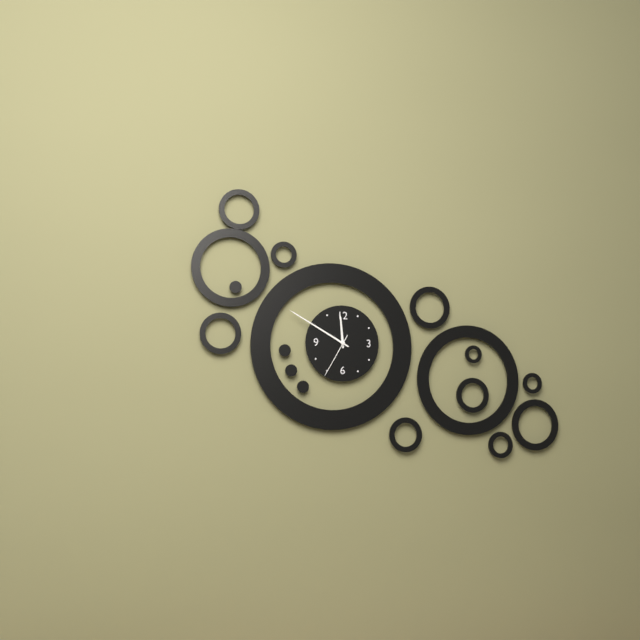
**11:50**
